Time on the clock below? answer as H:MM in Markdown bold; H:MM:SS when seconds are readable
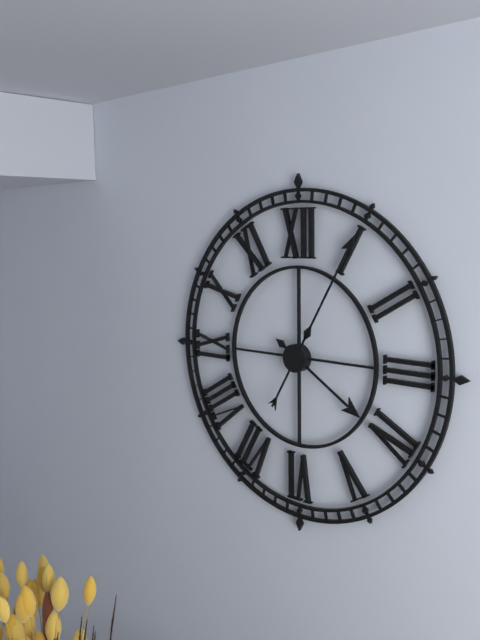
**4:05**
